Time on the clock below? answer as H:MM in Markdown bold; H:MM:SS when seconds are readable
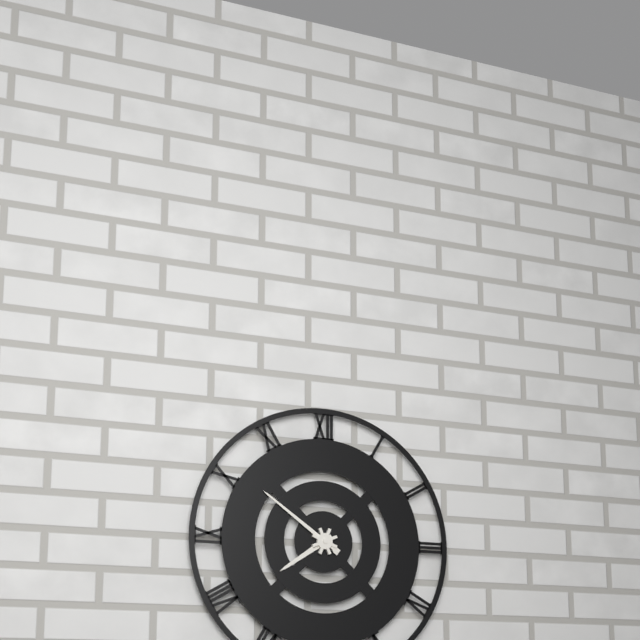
**7:51**
